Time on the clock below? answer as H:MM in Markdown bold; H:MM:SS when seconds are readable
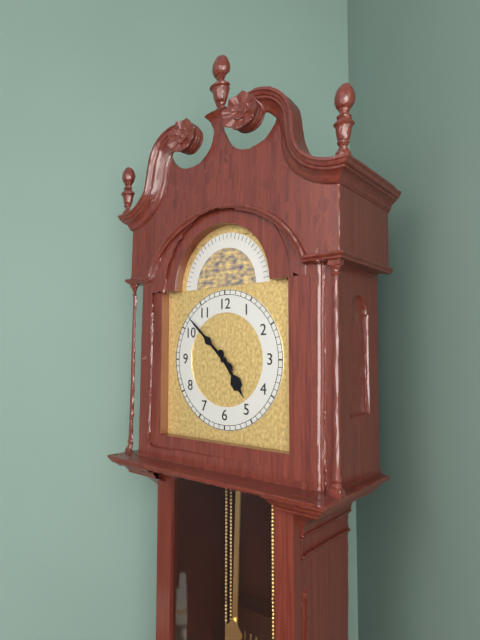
**4:52**
